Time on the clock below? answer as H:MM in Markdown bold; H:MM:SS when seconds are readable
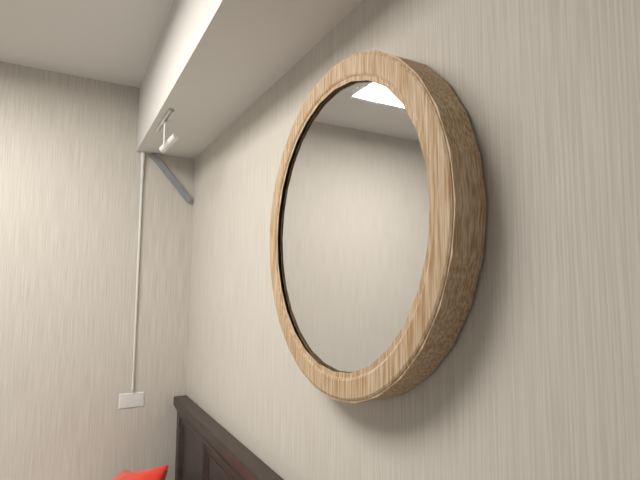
**9:25**
